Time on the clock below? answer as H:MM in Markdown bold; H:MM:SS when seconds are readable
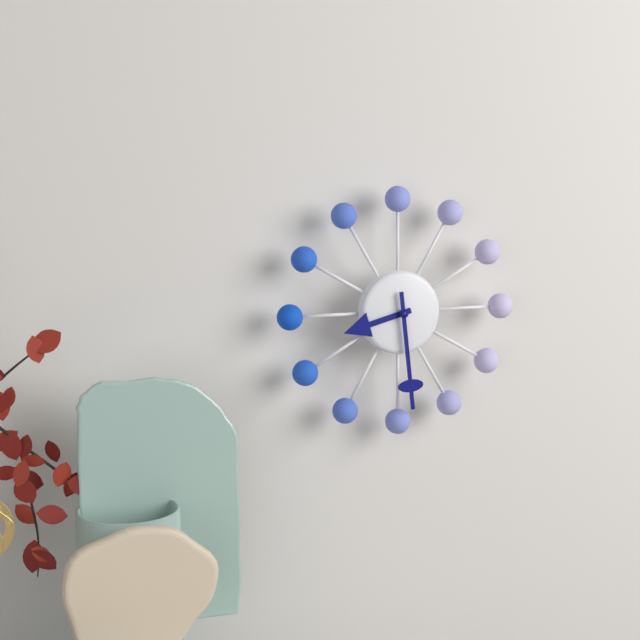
**8:29**
